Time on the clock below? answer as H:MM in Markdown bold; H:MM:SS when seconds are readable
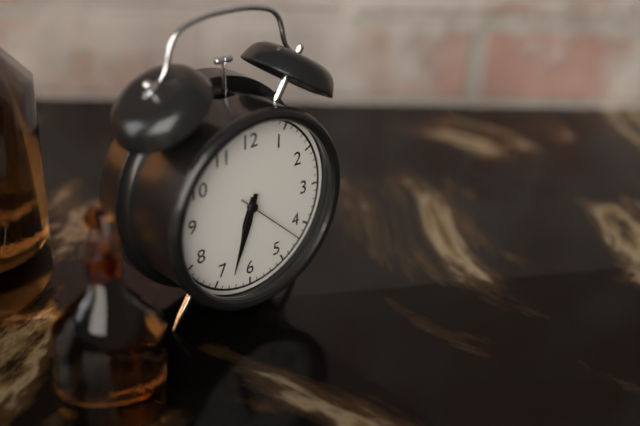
**6:33:22**
